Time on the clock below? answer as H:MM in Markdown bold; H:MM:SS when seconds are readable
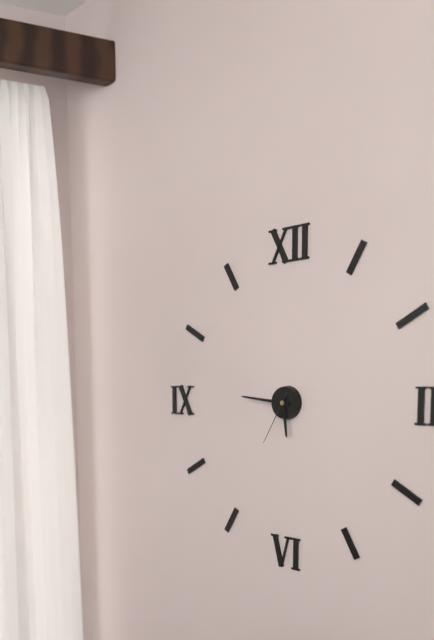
**5:46:35**
